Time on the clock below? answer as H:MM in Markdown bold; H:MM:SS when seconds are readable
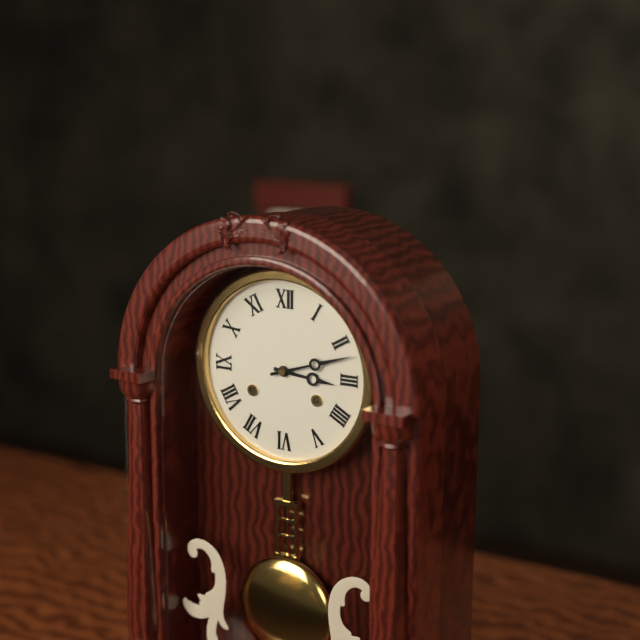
**3:12**
